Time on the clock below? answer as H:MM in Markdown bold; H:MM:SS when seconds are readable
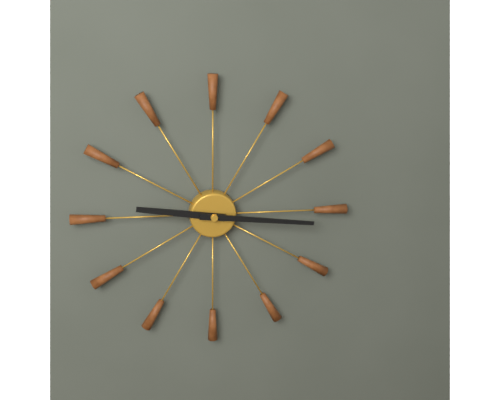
**9:16**
